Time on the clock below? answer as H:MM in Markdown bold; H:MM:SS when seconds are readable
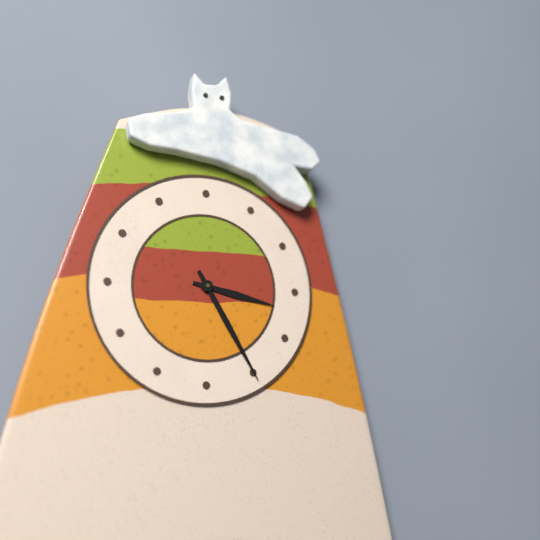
**3:25**
